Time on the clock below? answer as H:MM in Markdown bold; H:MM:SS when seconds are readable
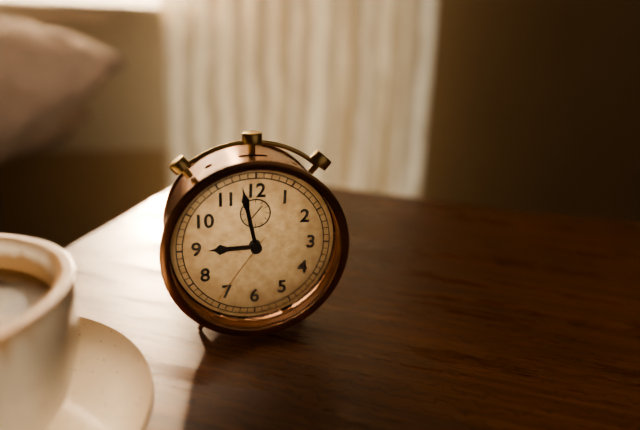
**8:58:36**
